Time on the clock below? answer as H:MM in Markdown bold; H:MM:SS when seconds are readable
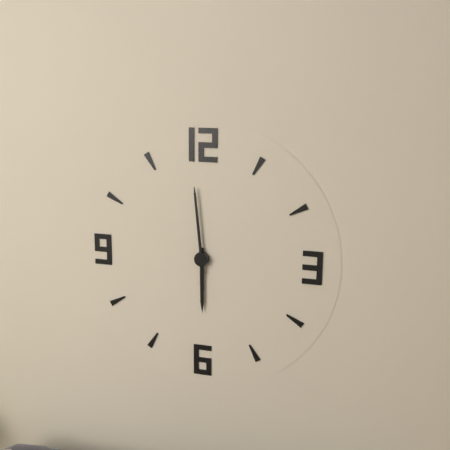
**5:59**
